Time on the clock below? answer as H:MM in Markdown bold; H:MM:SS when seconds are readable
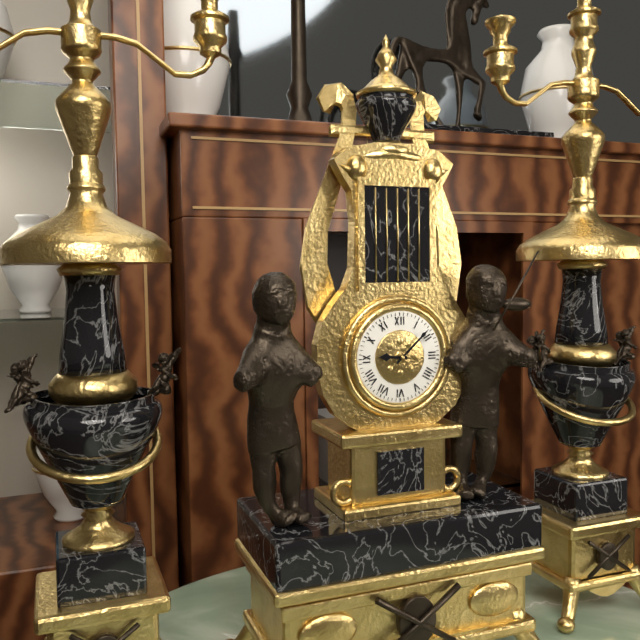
**9:08**
